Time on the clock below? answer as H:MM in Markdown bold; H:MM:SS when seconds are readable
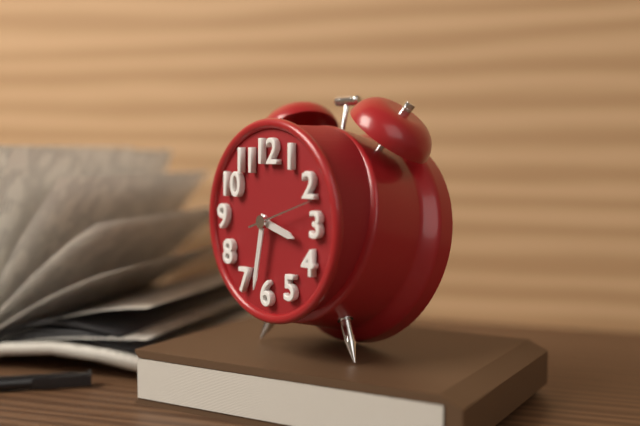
**3:32:12**
